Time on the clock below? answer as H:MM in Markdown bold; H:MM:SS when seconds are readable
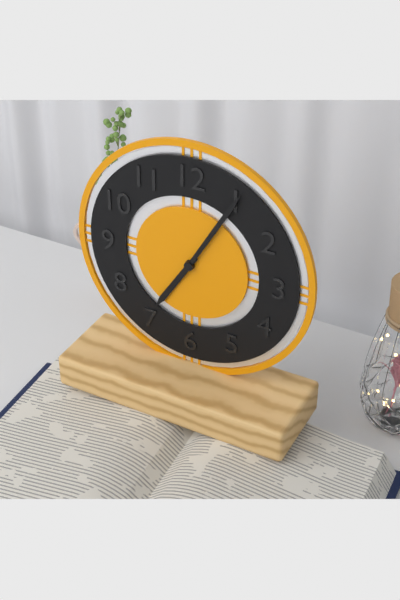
**7:05**
